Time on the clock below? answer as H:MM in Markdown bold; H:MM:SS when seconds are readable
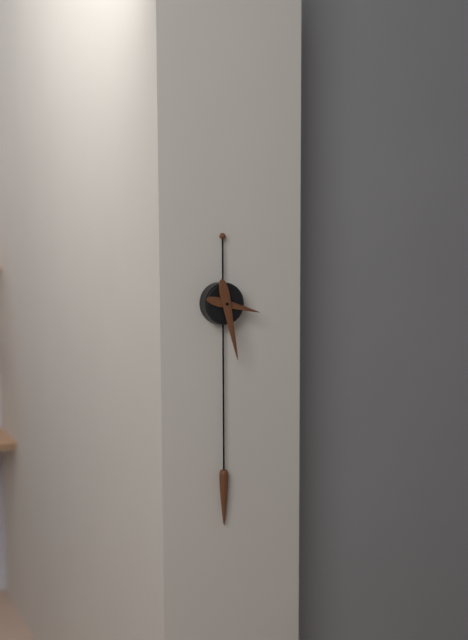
**3:28**
